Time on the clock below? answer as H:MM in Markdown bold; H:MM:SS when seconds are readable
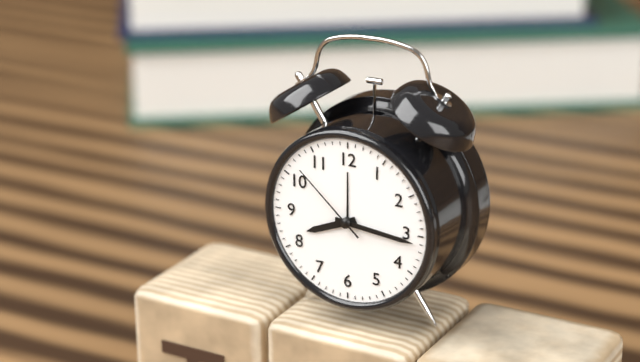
**8:16:52**
